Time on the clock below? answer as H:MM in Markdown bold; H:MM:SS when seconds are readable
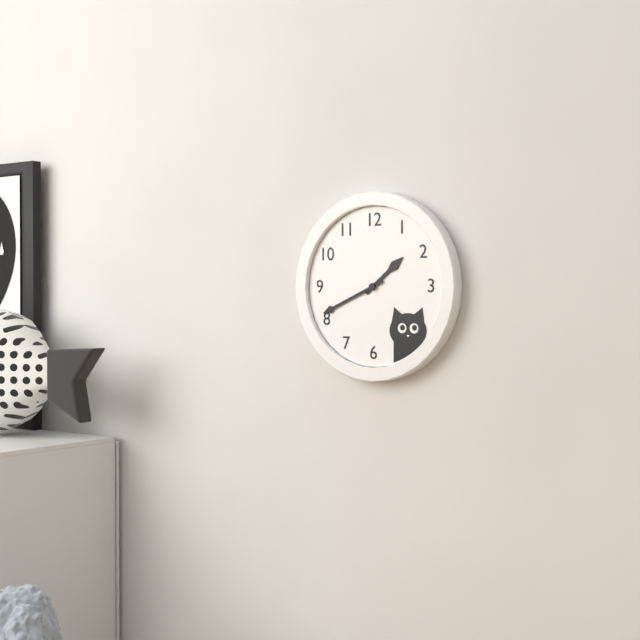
**1:41**
